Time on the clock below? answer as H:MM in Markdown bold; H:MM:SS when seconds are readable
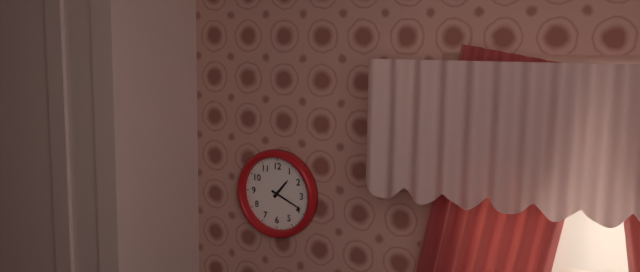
**1:19**
